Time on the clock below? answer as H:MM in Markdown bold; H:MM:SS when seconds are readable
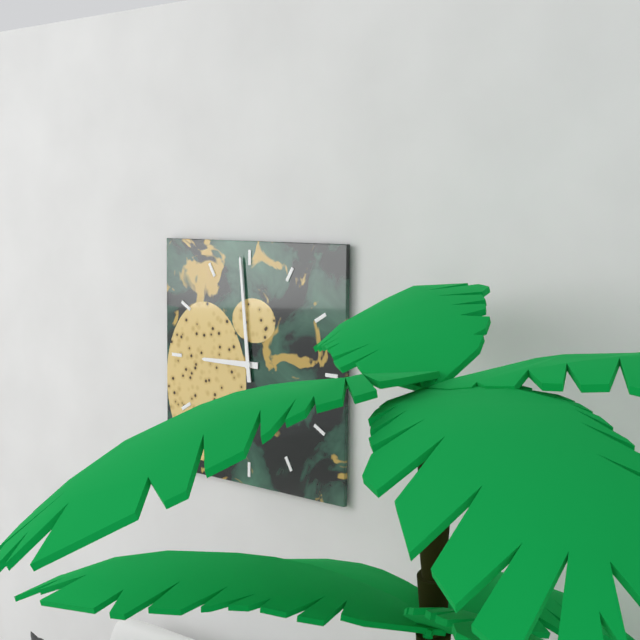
**8:59**
